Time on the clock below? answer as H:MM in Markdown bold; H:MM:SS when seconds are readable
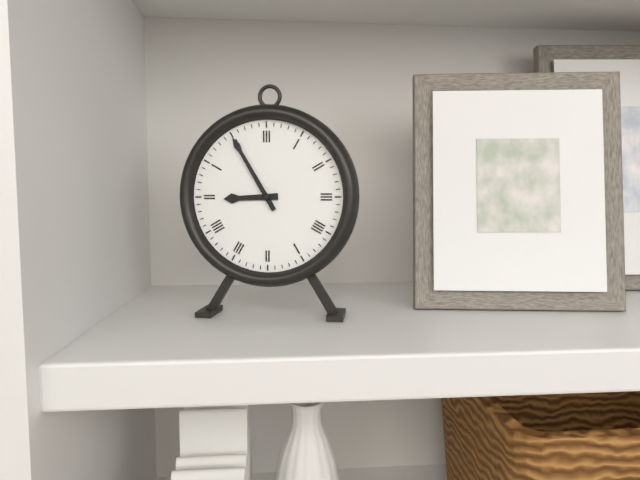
**8:55**
